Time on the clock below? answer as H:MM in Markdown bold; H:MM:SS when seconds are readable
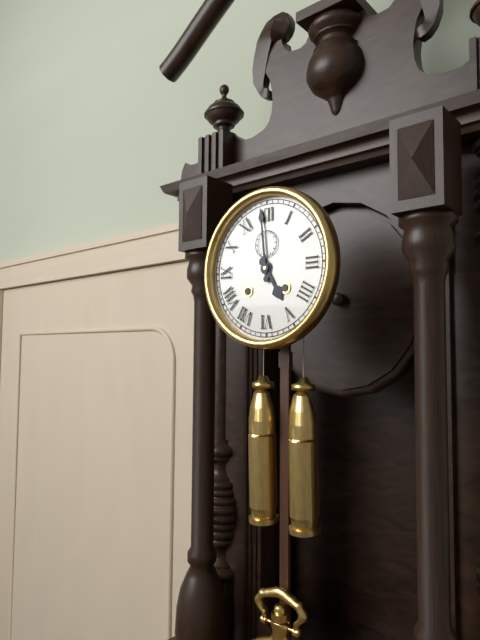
**4:59**
